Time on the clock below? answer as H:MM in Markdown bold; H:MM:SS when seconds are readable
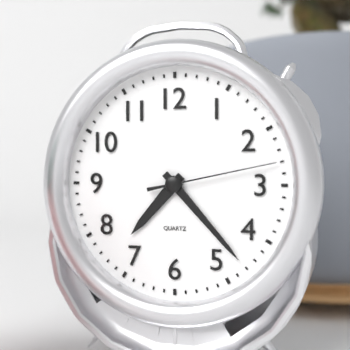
**7:23:13**
